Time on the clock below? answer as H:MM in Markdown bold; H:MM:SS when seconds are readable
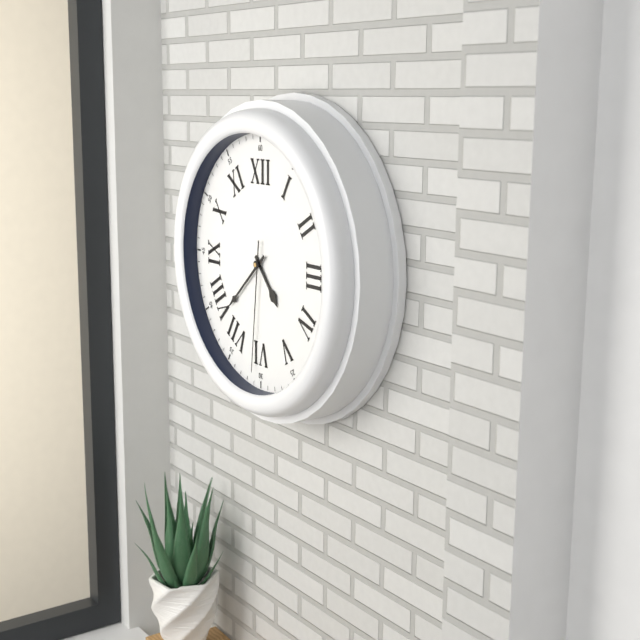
**4:38:31**
